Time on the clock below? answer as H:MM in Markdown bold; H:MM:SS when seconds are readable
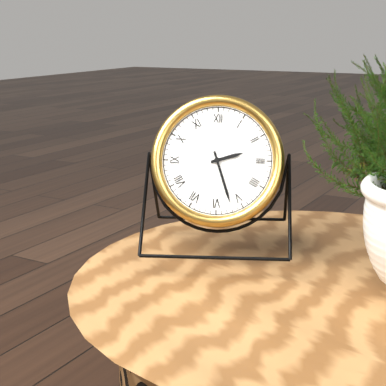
**2:27**
